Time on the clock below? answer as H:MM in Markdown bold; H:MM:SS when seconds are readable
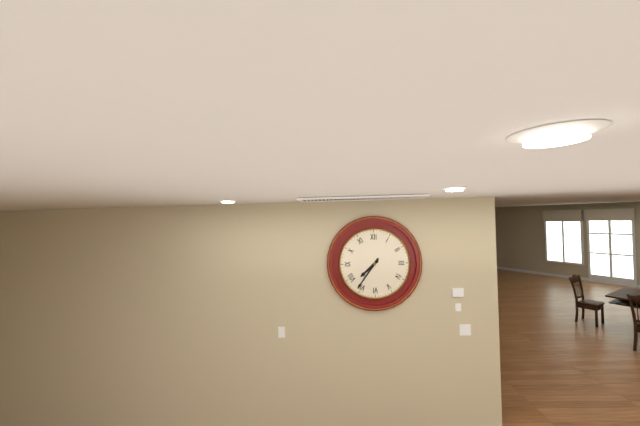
**7:36**
